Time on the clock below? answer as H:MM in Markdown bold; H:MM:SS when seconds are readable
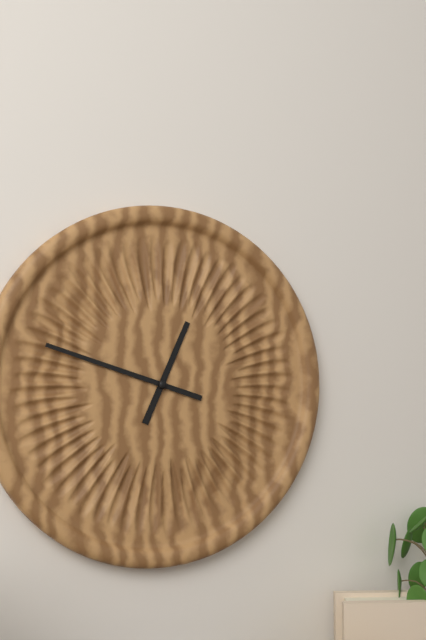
**12:48**
